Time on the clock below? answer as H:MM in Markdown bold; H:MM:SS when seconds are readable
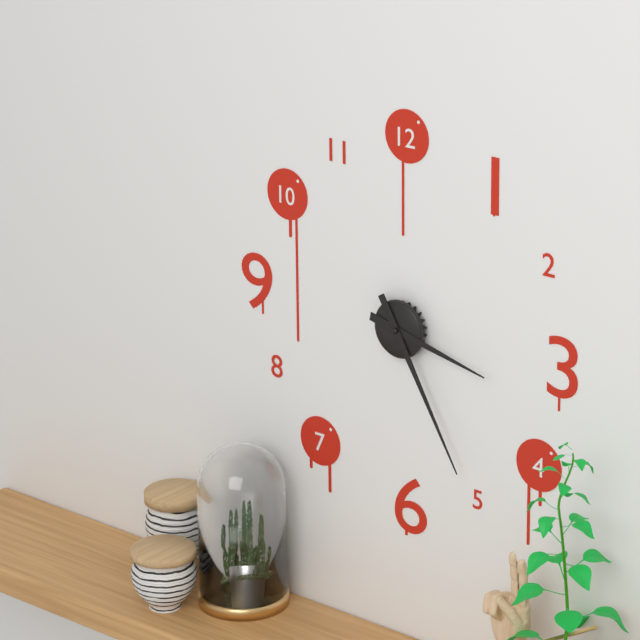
**3:25**
